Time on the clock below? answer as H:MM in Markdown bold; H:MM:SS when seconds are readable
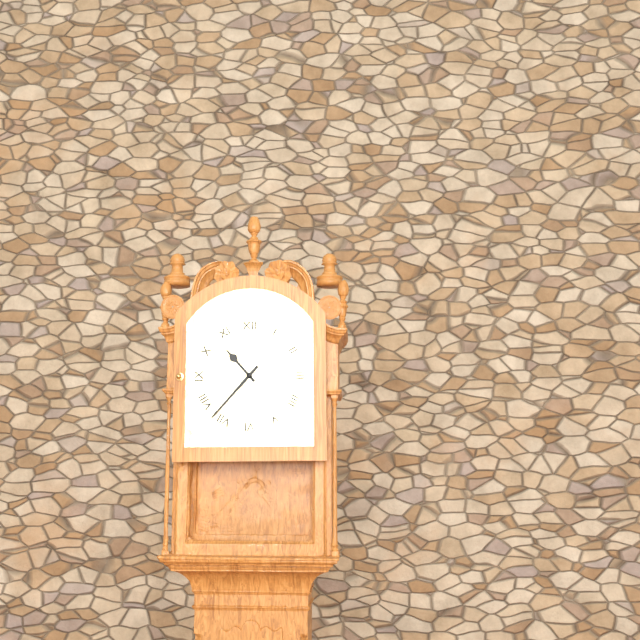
**10:37**
